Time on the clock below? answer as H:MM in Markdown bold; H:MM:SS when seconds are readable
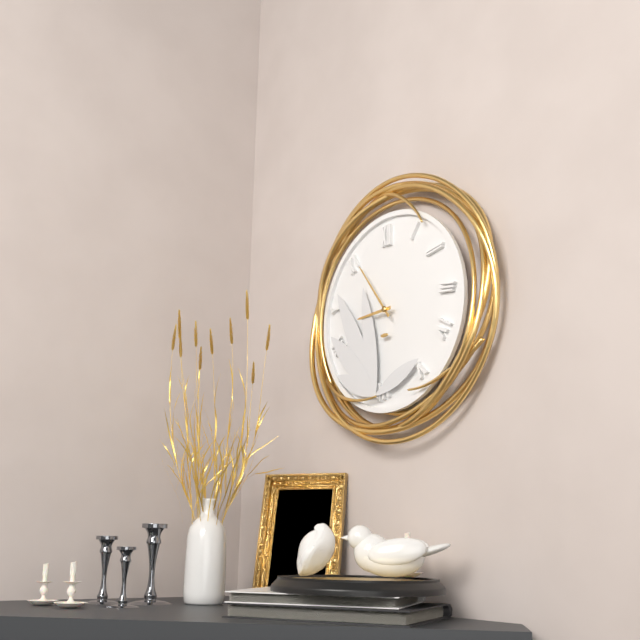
**8:54**
